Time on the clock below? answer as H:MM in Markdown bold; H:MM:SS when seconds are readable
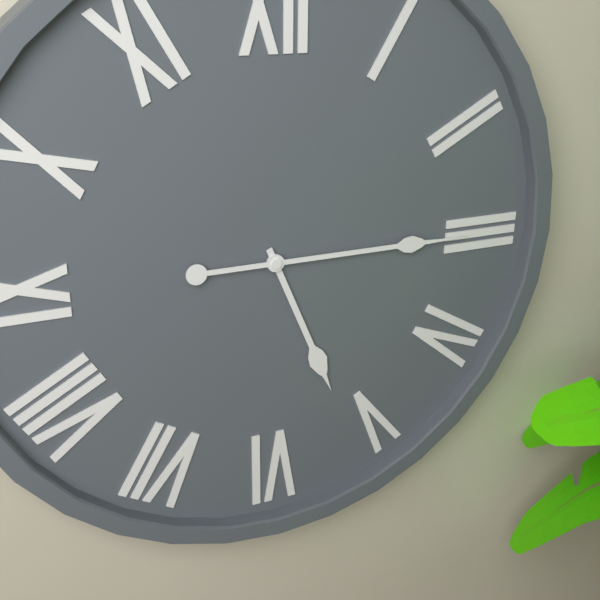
**5:15**
